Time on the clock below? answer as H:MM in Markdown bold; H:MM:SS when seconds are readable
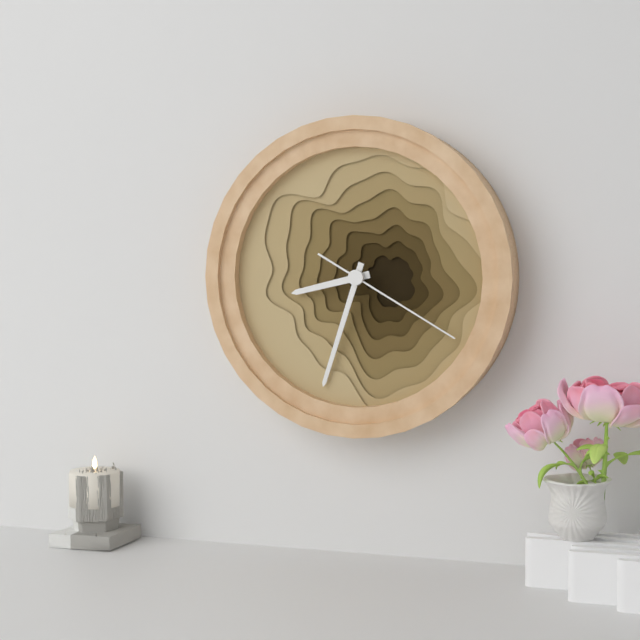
**8:33:20**
